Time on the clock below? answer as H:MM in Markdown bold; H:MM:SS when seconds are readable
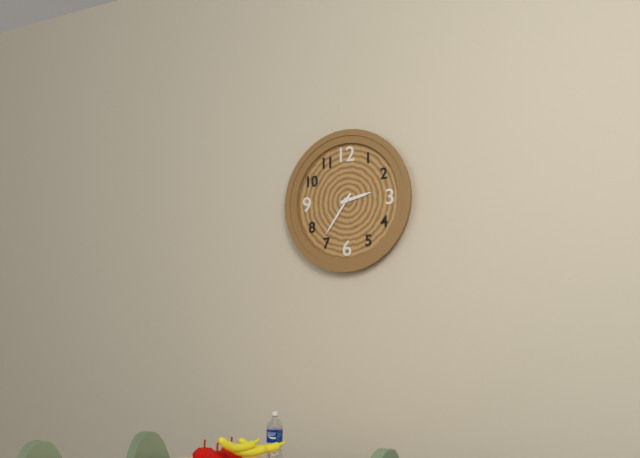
**2:36**
